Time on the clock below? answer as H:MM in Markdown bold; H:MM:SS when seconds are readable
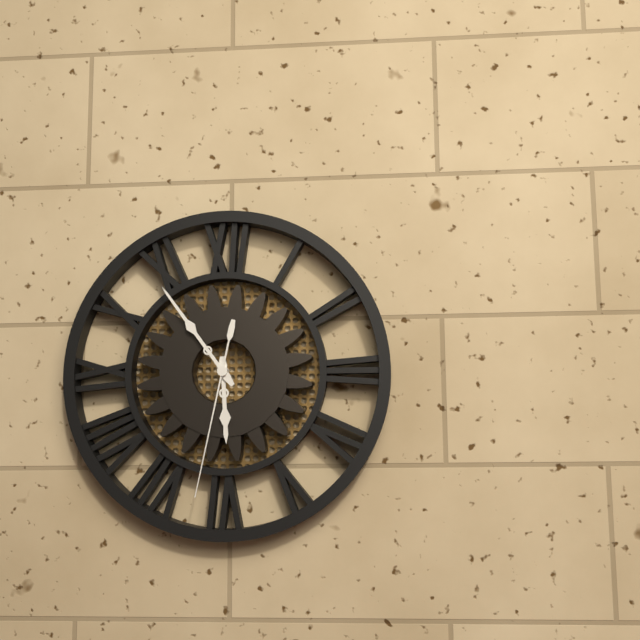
**5:54:32**
